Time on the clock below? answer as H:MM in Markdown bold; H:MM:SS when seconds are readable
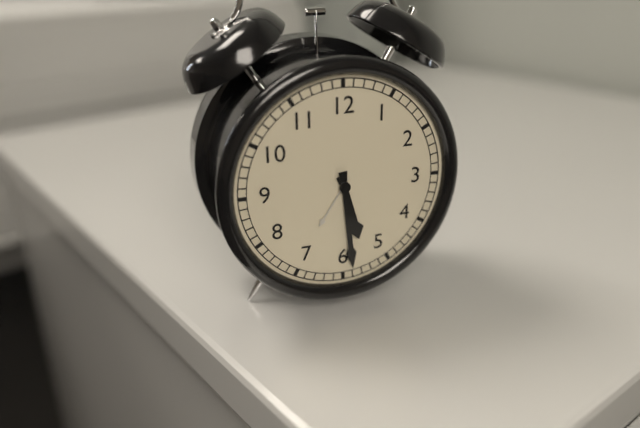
**5:29**
